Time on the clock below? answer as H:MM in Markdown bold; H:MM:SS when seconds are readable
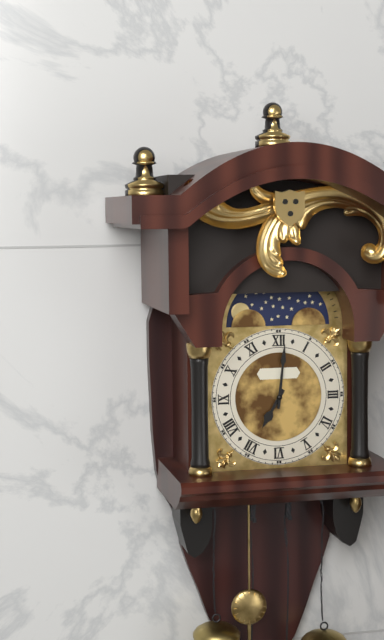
**7:01**
